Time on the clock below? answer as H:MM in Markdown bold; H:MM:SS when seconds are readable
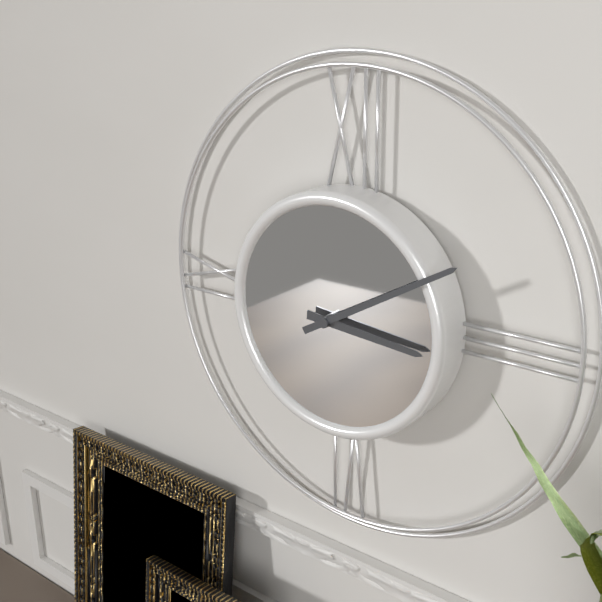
**3:10**
